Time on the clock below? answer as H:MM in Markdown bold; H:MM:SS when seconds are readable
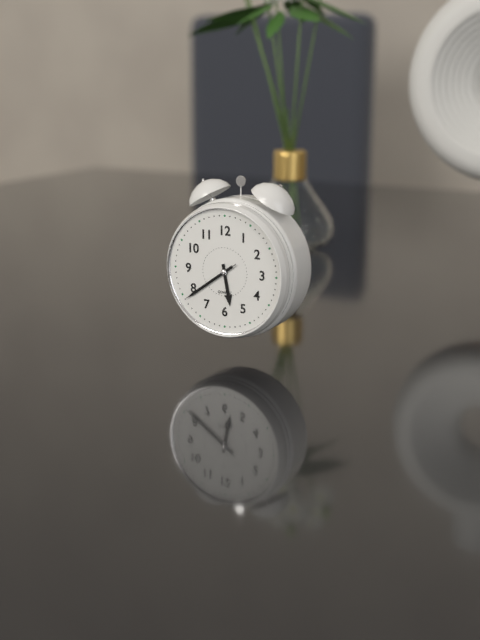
**5:39:39**
